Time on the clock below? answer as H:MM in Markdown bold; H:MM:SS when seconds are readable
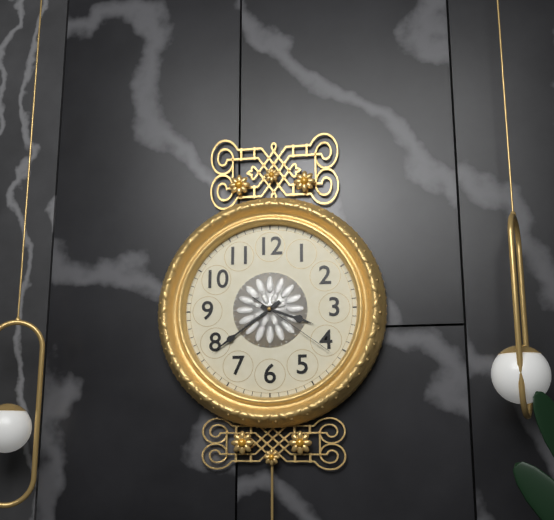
**3:39:21**
